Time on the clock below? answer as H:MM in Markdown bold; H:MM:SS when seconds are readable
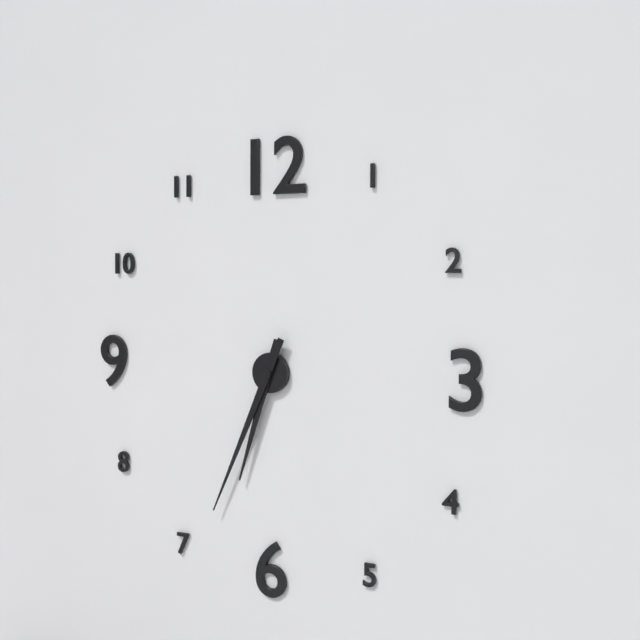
**6:34**
